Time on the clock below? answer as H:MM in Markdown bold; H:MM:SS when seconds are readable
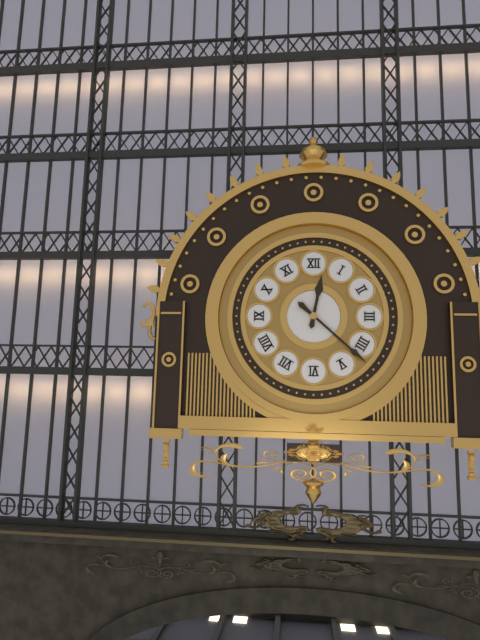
**12:22**
